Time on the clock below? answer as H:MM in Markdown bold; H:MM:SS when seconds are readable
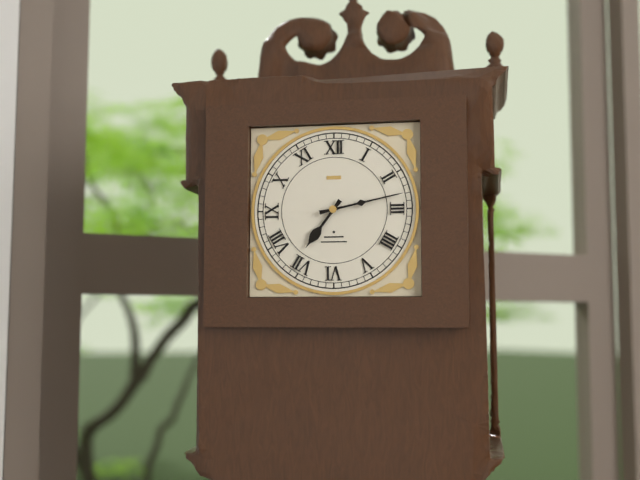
**7:13**
